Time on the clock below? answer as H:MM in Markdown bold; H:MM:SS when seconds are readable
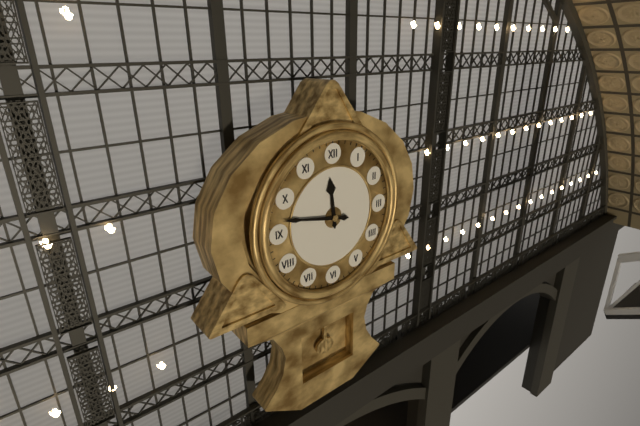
**11:47**
